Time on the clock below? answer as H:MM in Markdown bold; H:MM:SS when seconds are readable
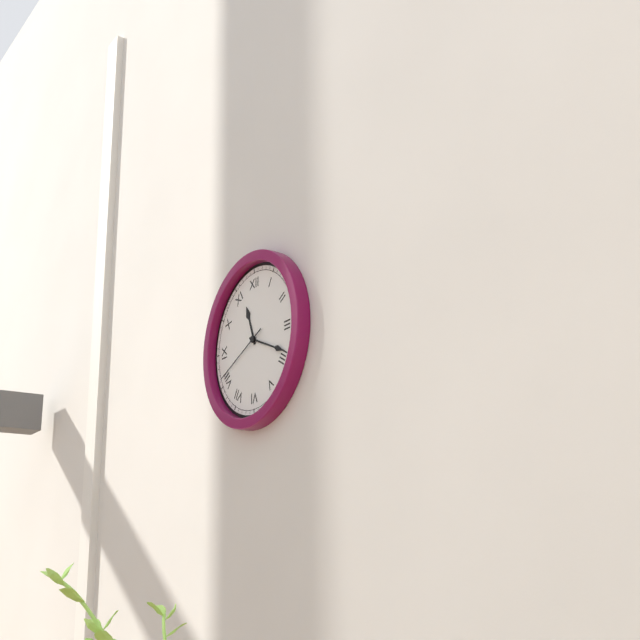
**11:19:41**
